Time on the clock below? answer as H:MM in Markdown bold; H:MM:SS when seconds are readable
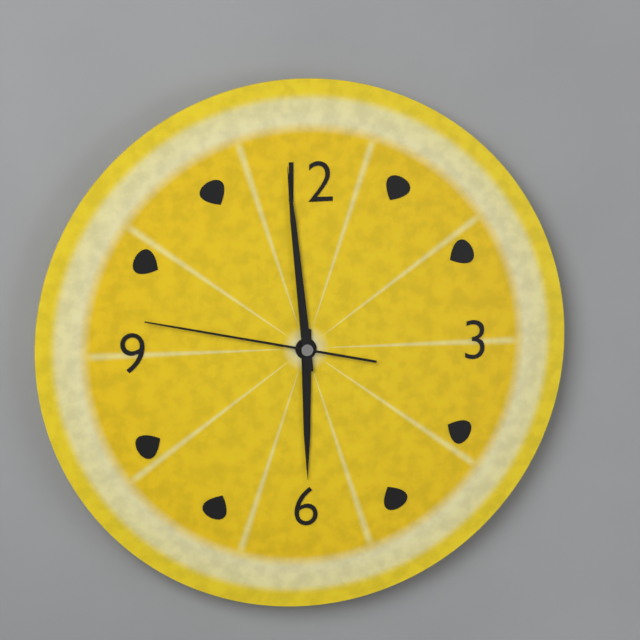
**5:59:47**
